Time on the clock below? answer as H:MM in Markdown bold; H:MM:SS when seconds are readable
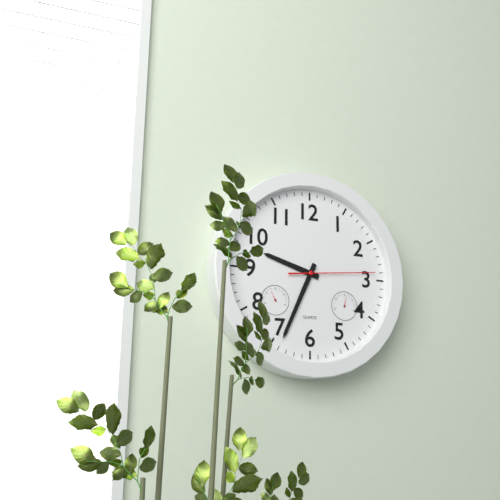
**9:34:14**
